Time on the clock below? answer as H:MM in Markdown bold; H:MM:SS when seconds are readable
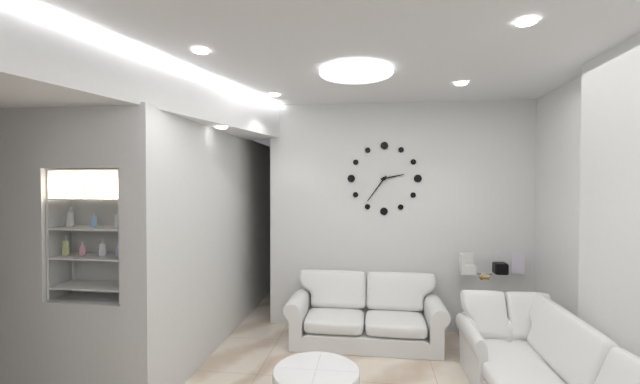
**2:36**
